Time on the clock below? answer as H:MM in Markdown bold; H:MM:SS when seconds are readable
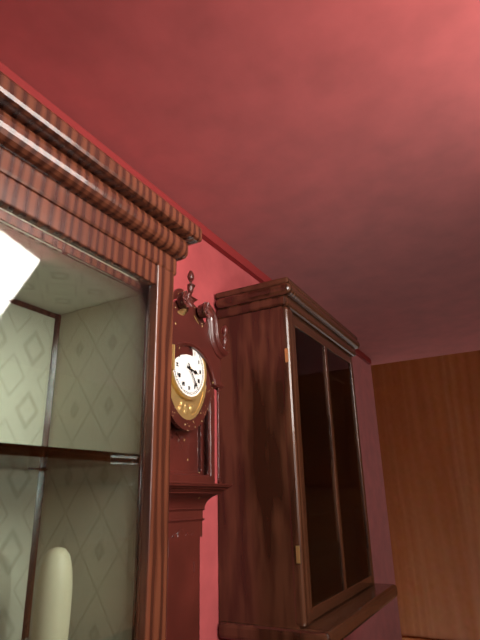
**3:24**
